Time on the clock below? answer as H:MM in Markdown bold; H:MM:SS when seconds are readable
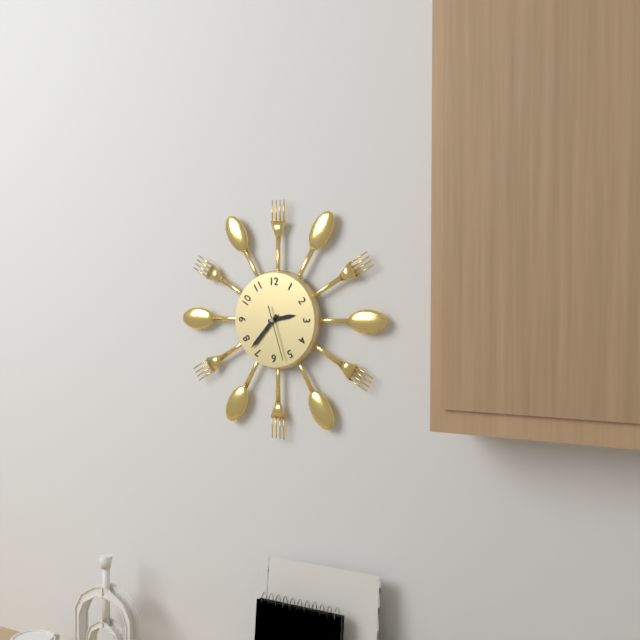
**2:37:27**
